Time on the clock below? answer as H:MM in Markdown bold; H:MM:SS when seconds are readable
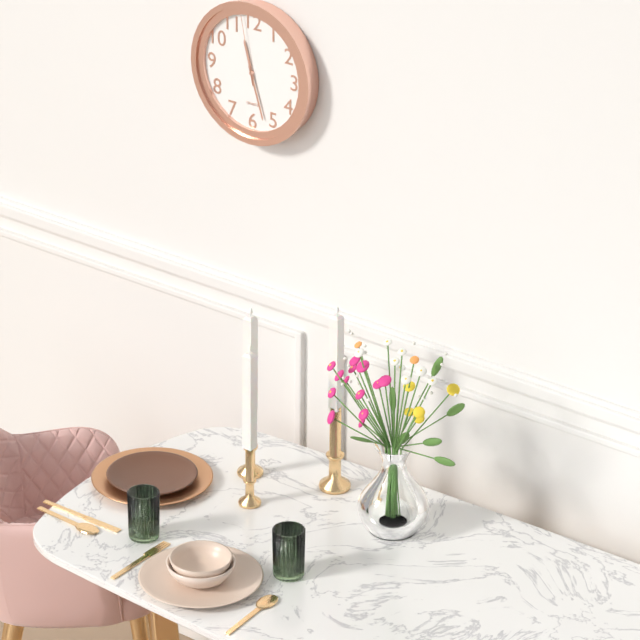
**11:27:58**
